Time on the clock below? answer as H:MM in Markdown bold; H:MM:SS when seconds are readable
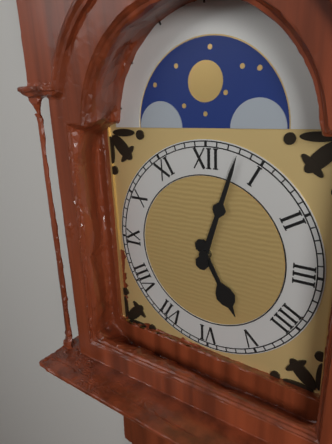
**5:03**
